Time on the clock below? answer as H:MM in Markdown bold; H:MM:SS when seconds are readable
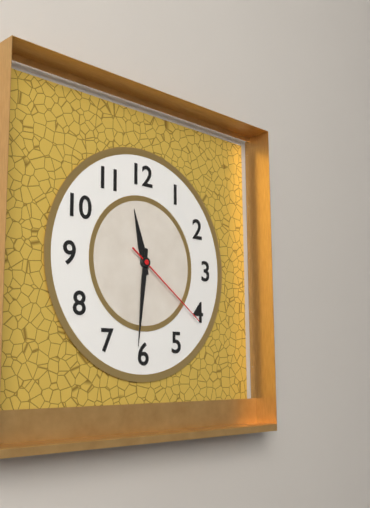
**11:31:21**
